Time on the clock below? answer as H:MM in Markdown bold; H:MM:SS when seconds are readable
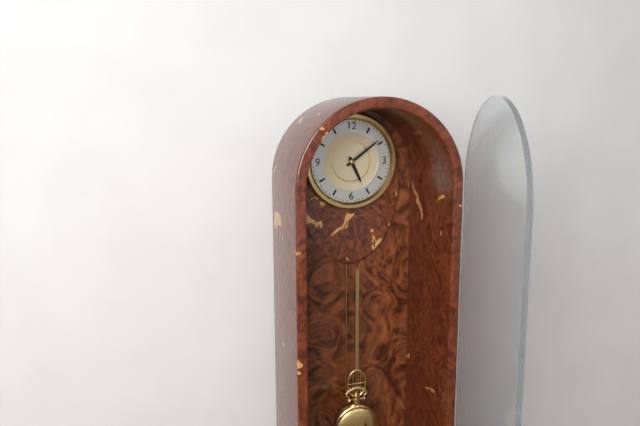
**5:09**
